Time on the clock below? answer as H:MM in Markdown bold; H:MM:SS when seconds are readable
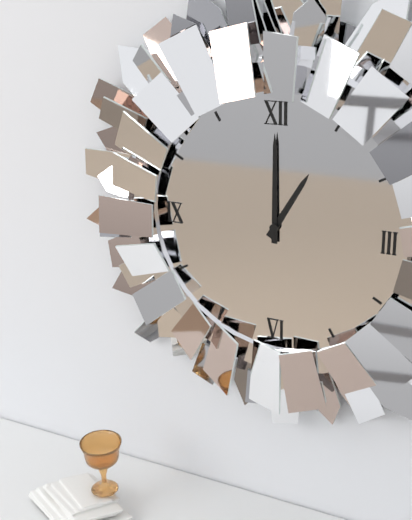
**1:00**
